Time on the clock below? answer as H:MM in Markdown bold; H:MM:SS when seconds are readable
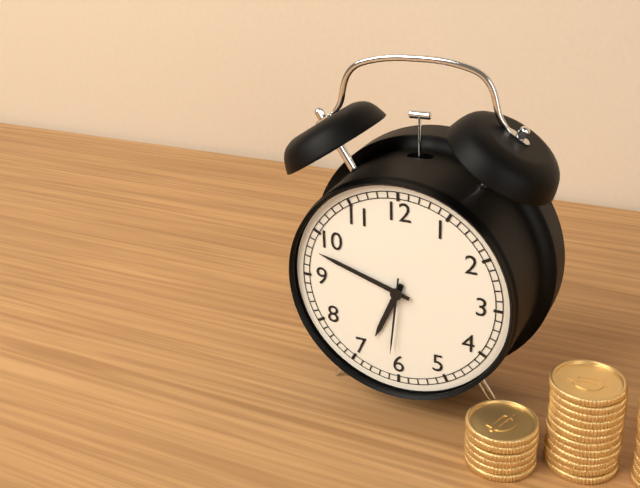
**6:48:31**
